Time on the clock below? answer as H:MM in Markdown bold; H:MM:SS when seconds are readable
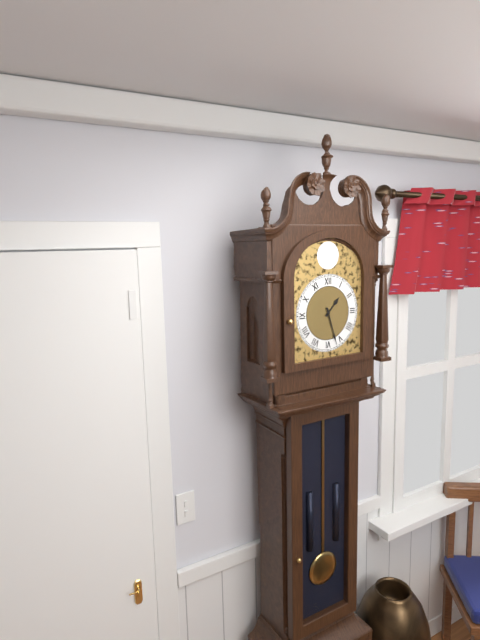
**1:27**
